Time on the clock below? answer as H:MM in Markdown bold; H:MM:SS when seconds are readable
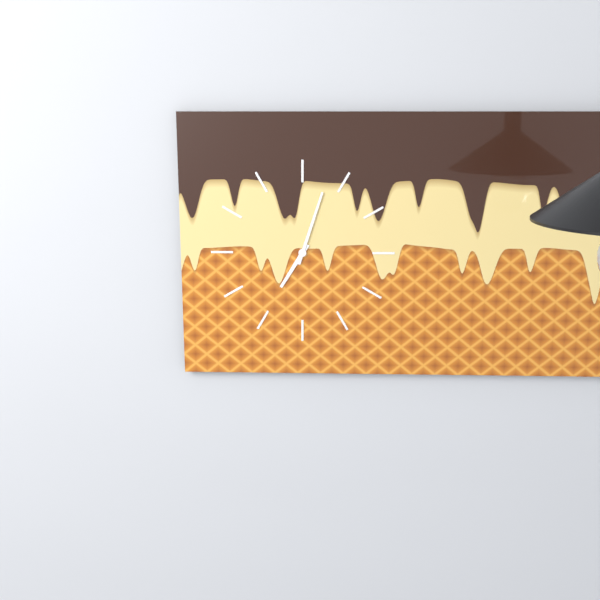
**7:03**
